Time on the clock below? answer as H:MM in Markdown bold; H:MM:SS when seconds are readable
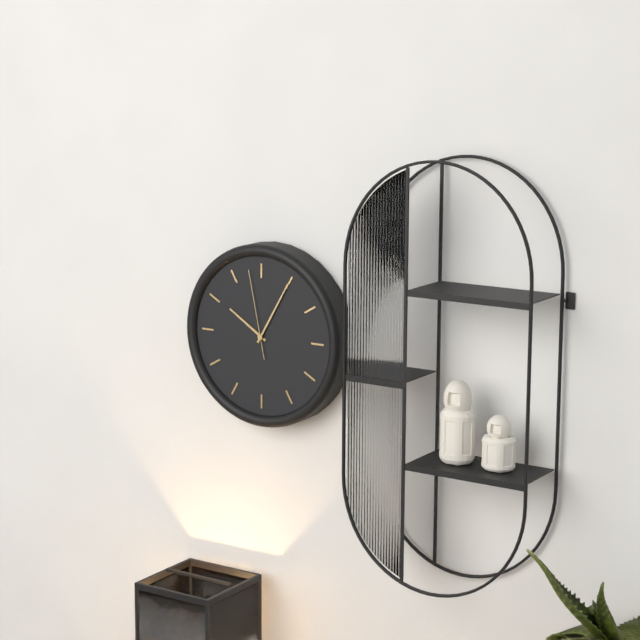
**10:05:58**
